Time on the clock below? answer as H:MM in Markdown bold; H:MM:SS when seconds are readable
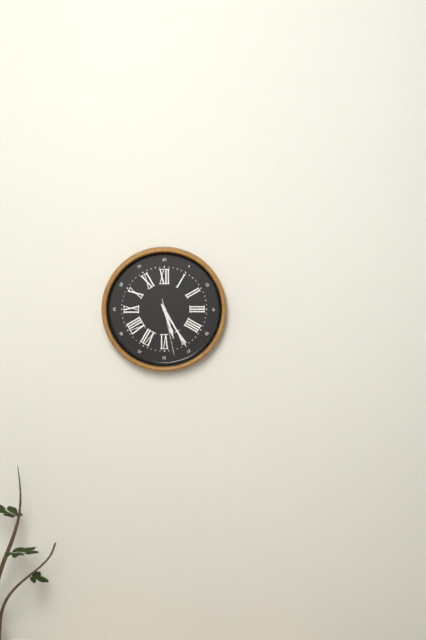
**5:25:28**
